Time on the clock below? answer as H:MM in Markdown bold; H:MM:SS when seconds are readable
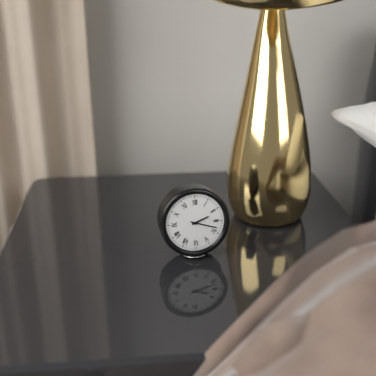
**2:18**
